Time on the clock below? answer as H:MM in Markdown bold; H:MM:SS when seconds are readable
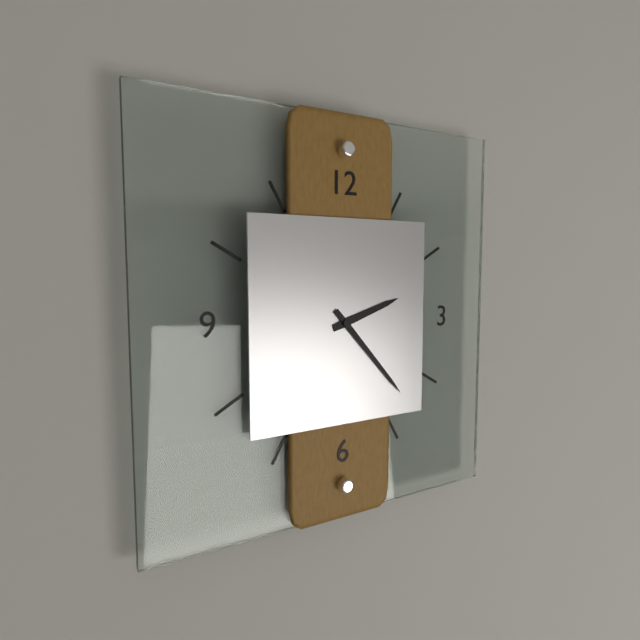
**2:23**
